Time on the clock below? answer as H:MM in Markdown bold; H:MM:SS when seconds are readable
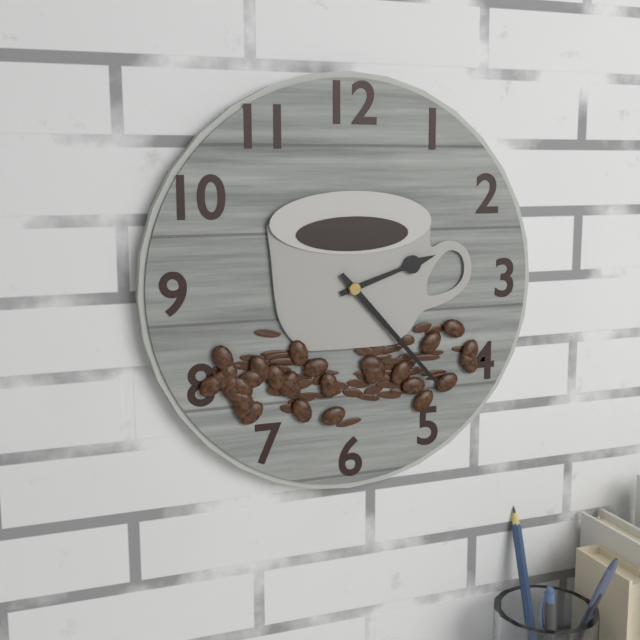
**2:23**
